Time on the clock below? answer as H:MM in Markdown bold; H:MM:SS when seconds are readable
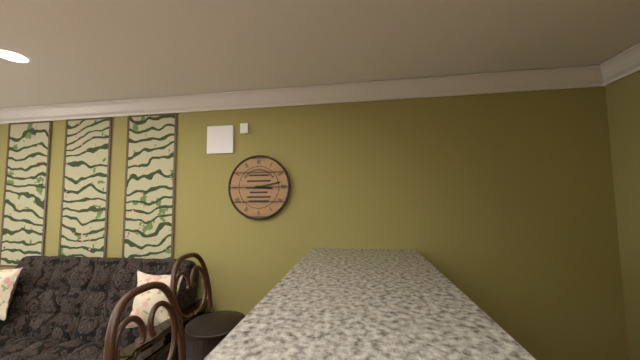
**3:13**
